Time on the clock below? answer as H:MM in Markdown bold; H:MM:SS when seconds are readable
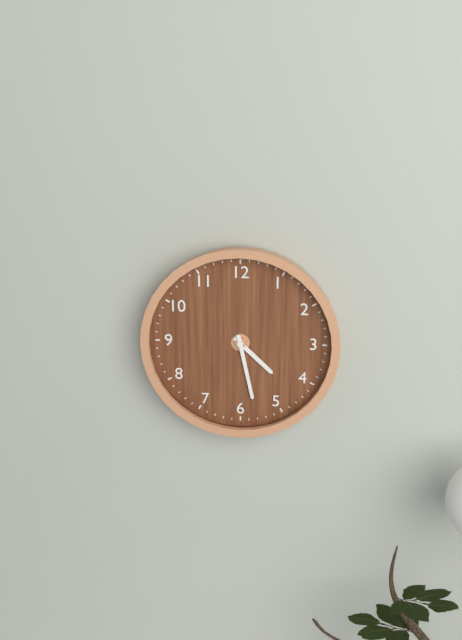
**4:28**
